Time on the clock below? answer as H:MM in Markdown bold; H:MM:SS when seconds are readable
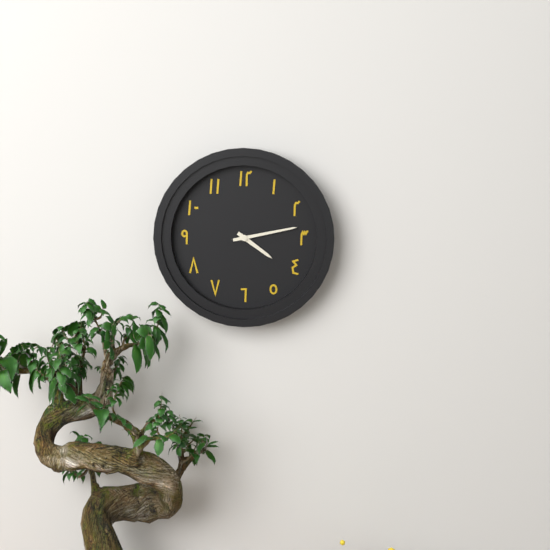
**4:13**
